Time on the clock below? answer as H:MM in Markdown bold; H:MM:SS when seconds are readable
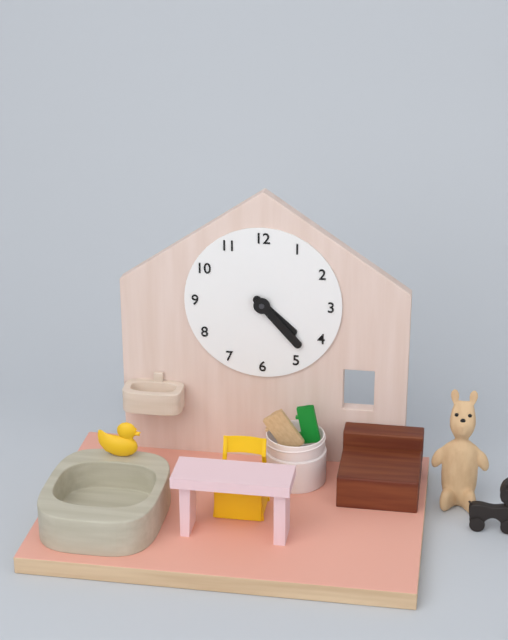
**4:23**
